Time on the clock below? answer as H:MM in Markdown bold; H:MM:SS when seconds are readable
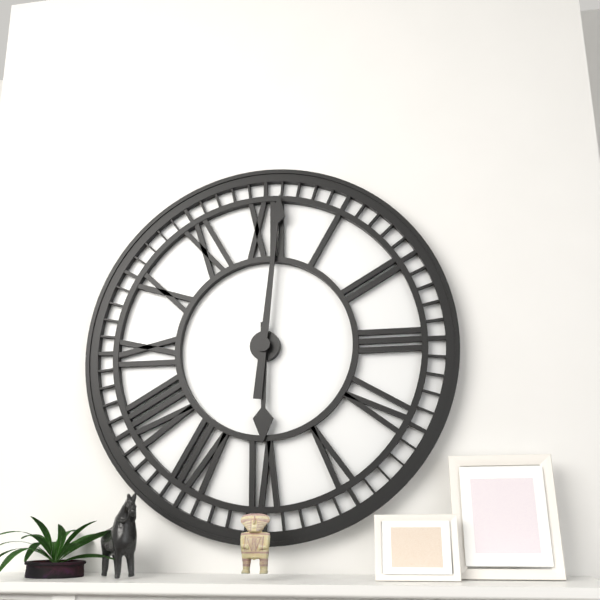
**6:01**
